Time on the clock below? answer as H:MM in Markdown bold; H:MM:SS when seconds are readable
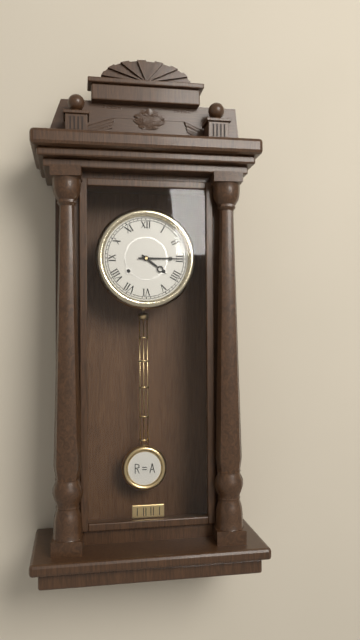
**4:15**
